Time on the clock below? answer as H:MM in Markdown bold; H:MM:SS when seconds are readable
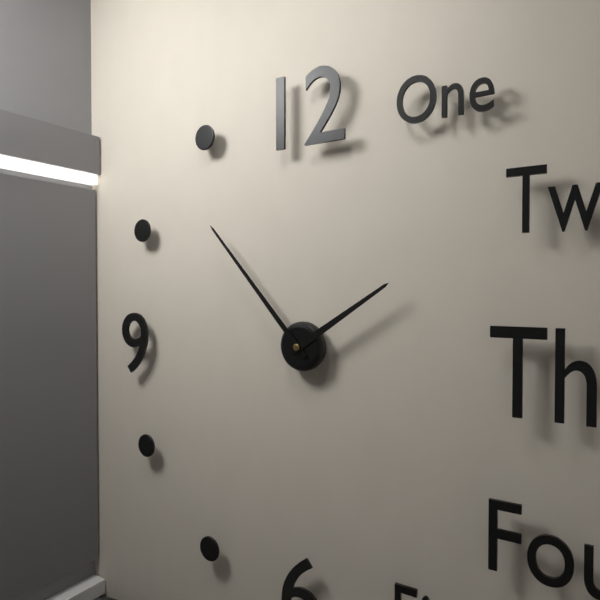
**1:53**
